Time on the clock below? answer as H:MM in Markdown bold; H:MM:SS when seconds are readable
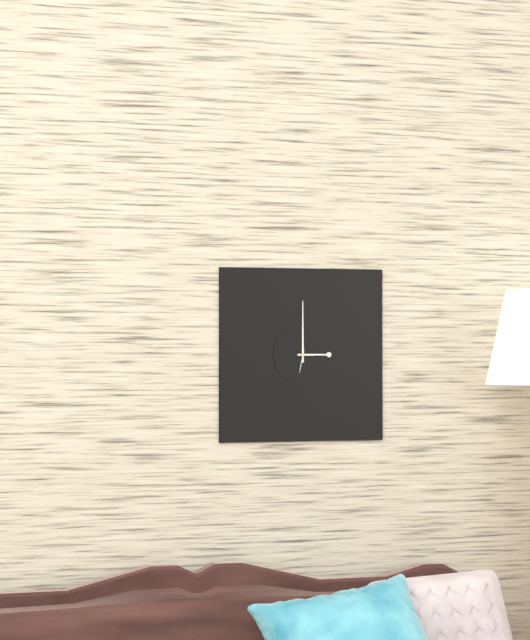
**3:00**
